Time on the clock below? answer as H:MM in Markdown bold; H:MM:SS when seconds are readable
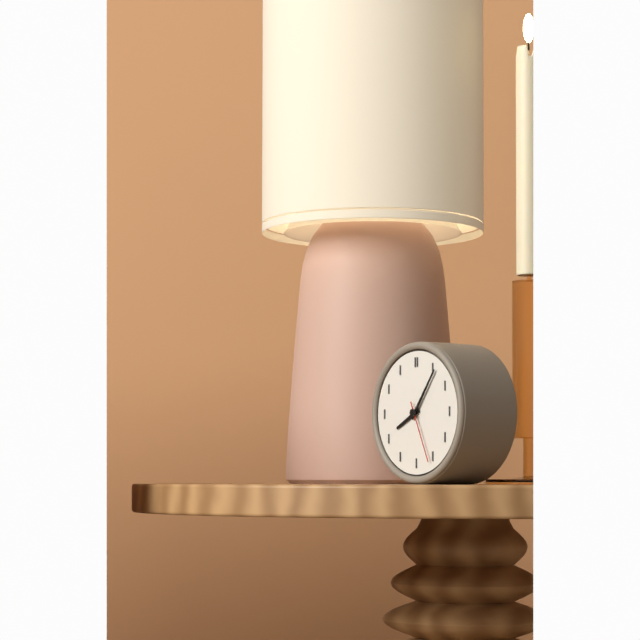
**8:06:26**
